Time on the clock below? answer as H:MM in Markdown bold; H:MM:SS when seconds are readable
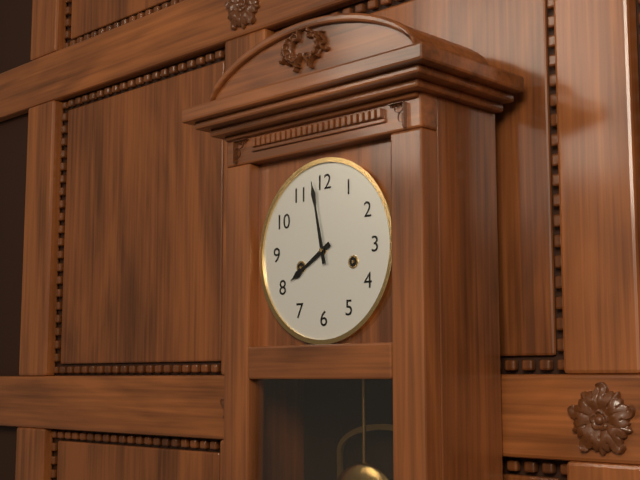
**7:58**
